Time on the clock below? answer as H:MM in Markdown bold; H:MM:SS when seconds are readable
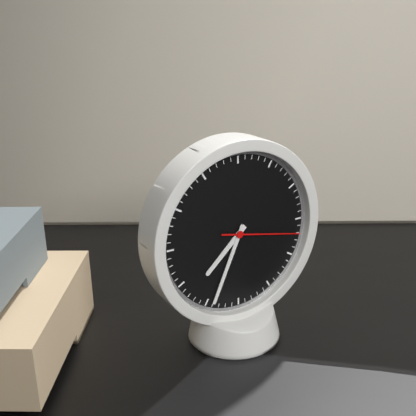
**7:34:17**
